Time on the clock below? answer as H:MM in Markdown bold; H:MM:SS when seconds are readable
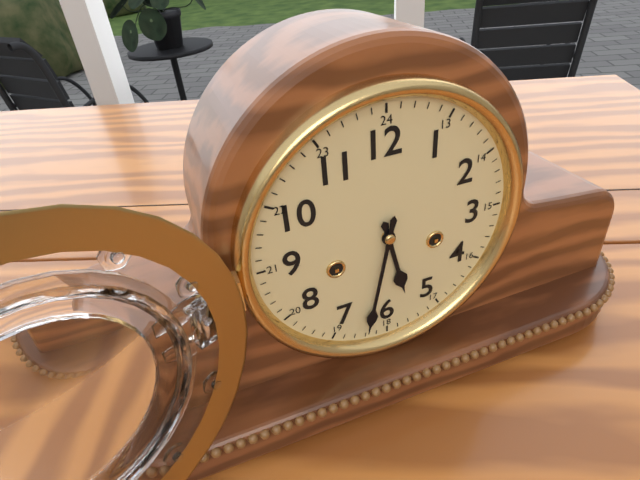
**5:32**
